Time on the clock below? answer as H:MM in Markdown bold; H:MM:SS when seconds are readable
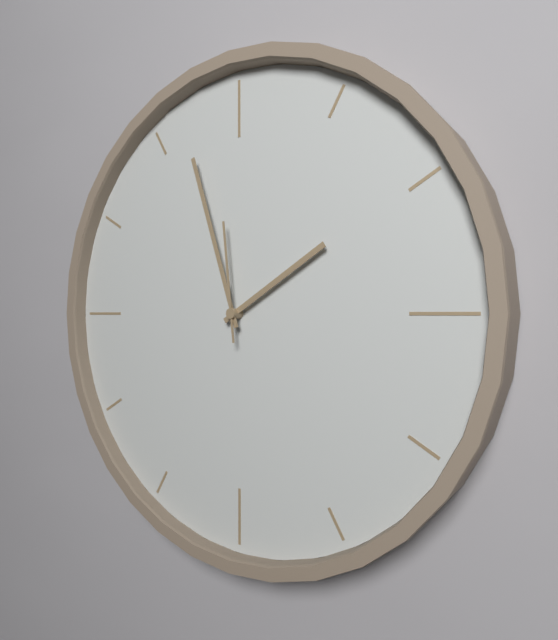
**1:57:59**
